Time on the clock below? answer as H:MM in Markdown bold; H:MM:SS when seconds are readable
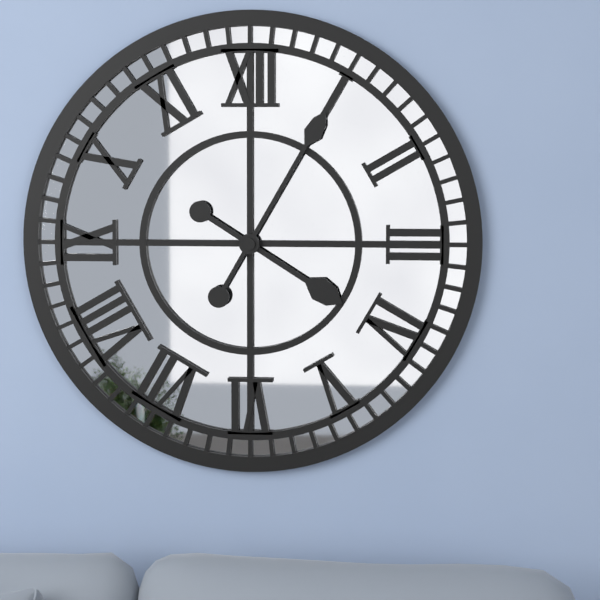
**4:05**
